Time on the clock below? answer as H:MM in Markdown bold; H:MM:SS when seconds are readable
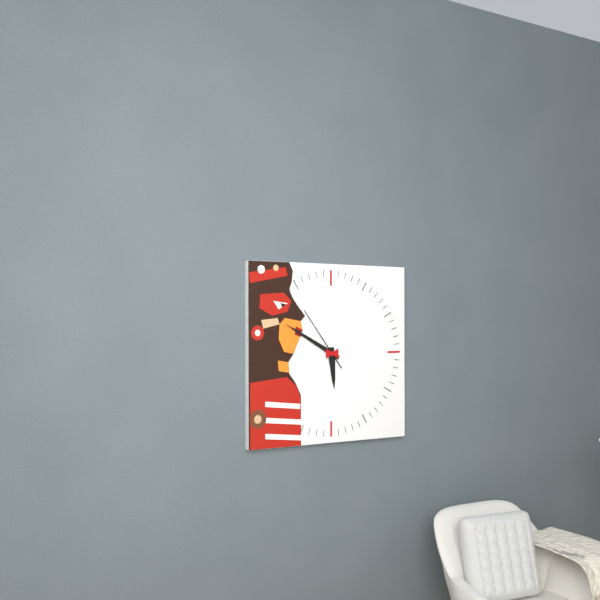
**5:50:54**
